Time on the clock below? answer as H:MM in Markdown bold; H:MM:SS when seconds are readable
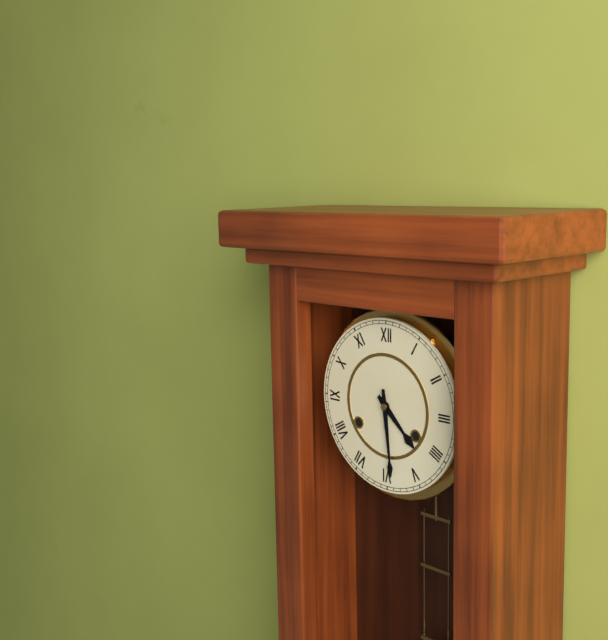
**4:29**
